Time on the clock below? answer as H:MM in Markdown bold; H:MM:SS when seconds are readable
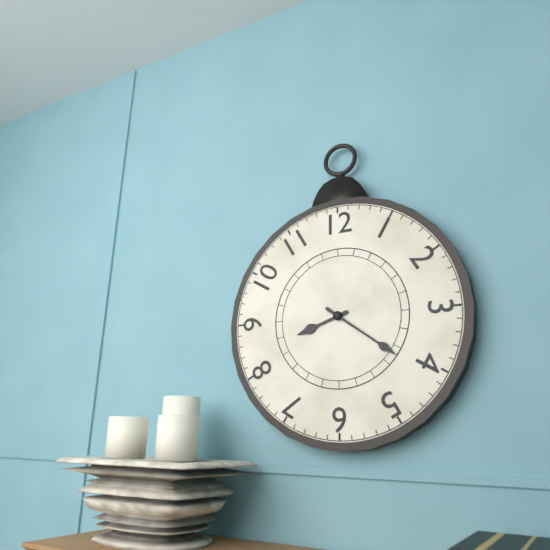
**8:21**
